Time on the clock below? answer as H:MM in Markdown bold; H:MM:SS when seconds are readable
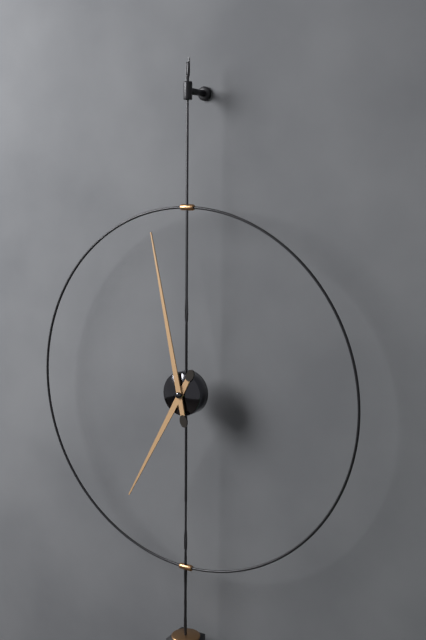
**6:58**
